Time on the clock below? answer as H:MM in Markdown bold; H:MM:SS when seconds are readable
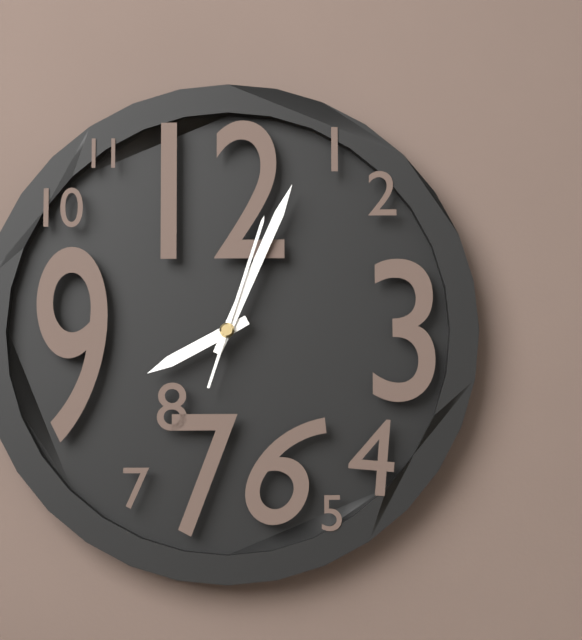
**8:04:03**
